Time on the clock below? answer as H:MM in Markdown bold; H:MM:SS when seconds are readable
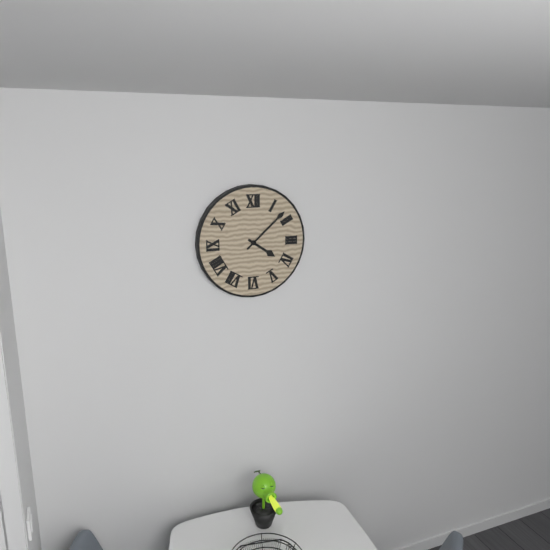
**4:08**
